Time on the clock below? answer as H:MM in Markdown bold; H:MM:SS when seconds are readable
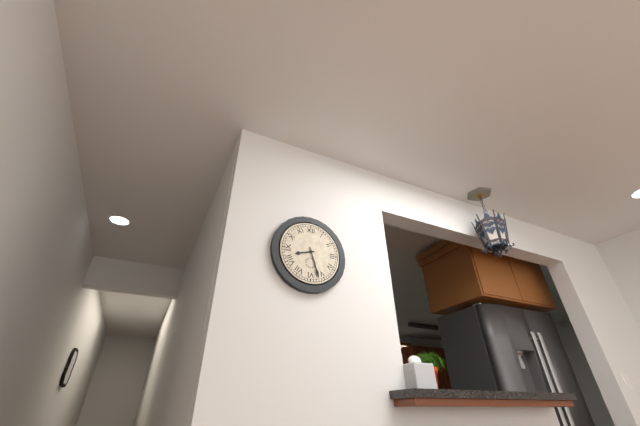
**8:27**
